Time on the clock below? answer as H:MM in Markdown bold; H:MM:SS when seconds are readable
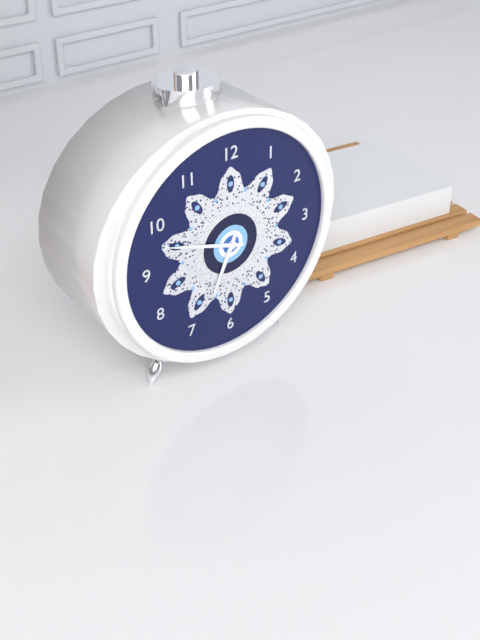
**6:48**
